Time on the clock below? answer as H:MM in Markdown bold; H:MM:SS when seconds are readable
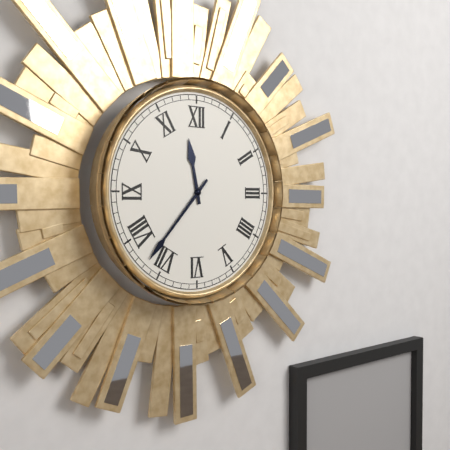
**11:37**
